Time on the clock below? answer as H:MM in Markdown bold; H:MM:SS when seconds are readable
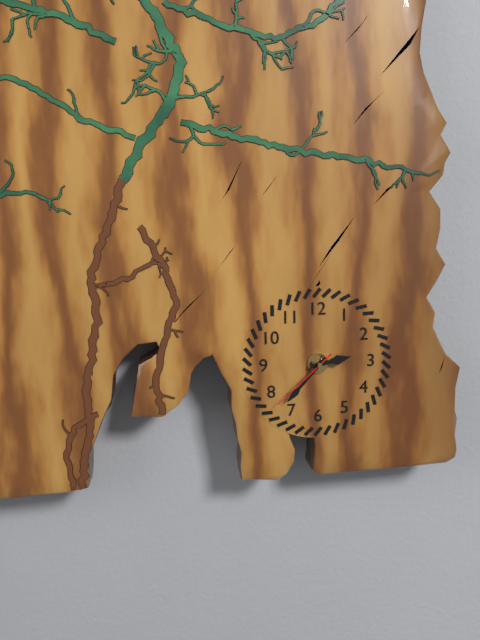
**2:37:38**
